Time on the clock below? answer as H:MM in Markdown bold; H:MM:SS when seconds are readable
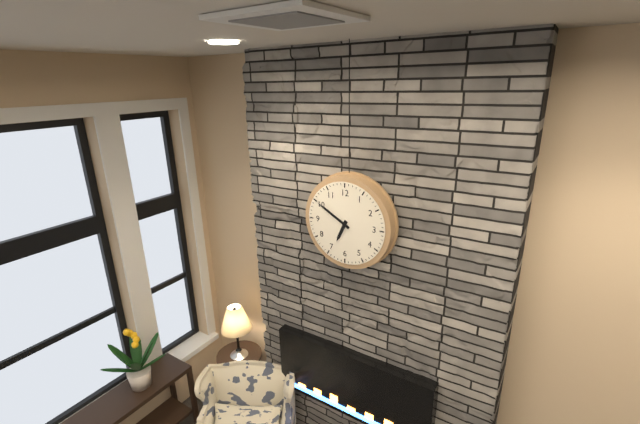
**6:50**
